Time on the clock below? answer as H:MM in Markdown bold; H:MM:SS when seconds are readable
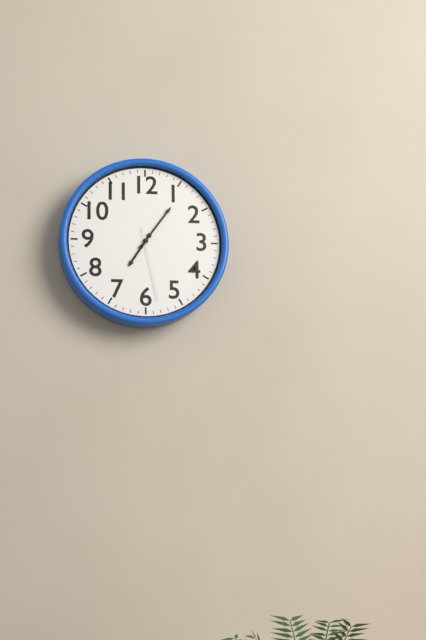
**7:06:28**
